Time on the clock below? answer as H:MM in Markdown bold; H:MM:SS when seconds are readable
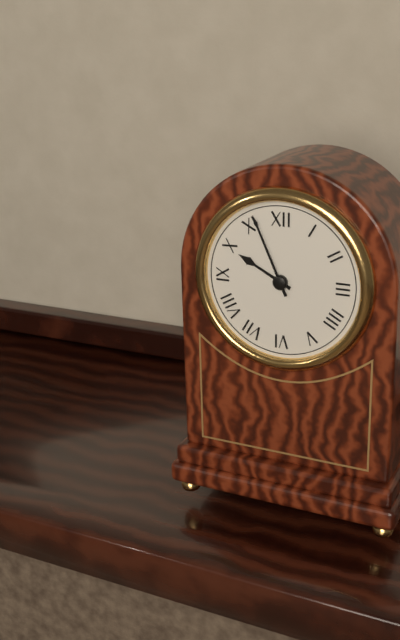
**9:56**
